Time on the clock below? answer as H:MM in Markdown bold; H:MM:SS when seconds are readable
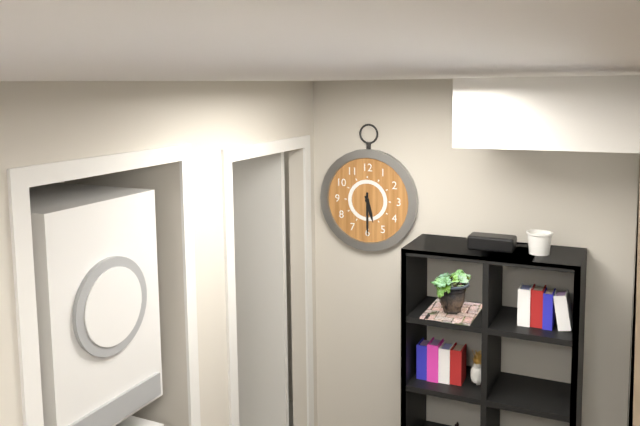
**5:30**
